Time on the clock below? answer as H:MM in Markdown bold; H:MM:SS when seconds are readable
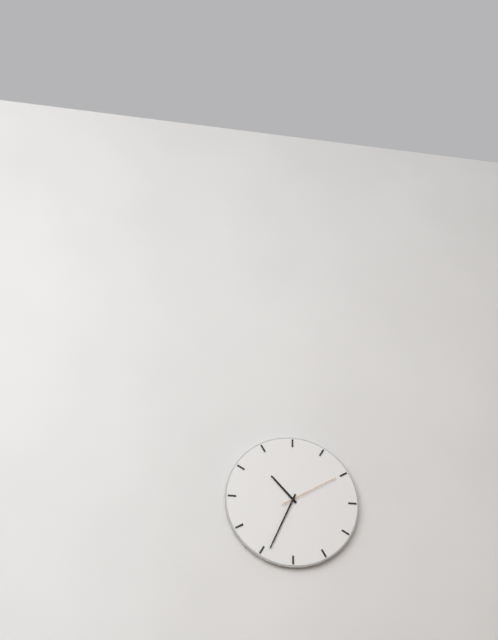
**10:34:10**
